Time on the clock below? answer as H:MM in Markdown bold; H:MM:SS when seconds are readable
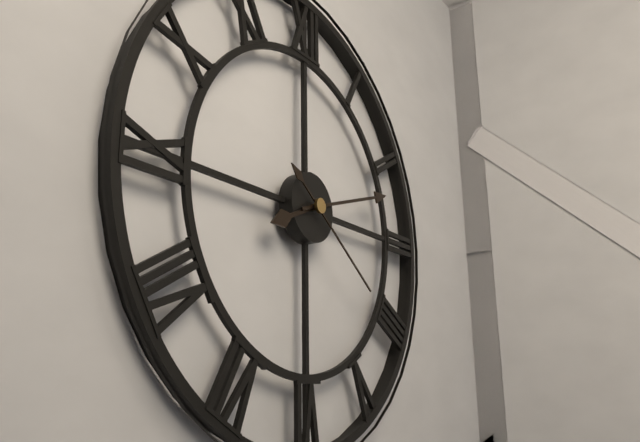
**8:12:21**
